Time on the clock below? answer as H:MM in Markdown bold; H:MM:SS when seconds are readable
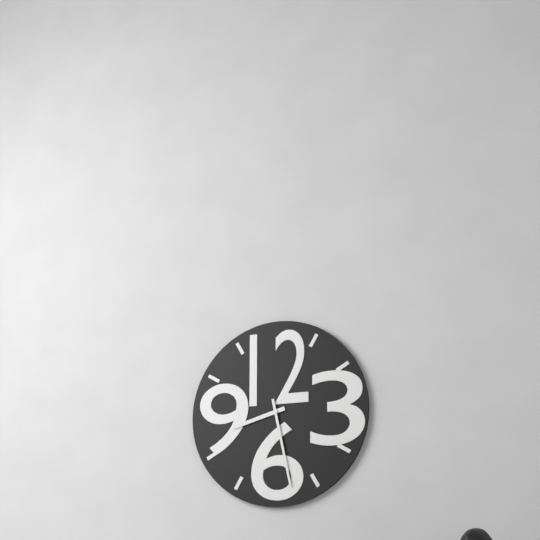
**8:28**
